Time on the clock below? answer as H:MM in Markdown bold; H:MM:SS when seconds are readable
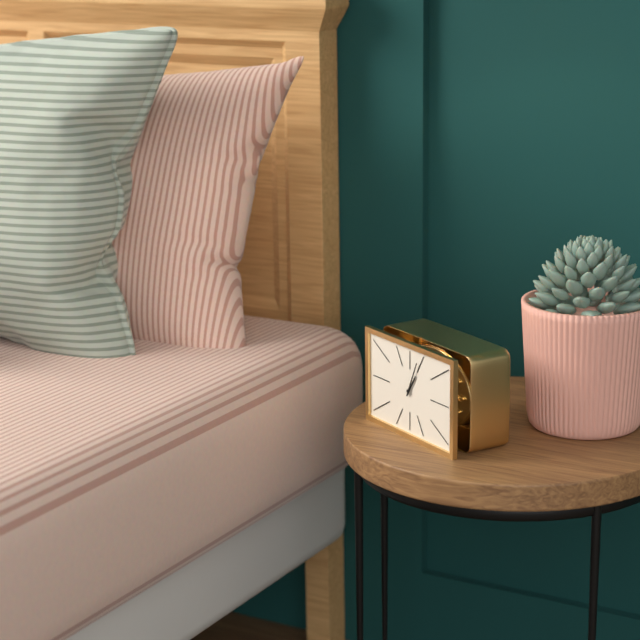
**1:04**
